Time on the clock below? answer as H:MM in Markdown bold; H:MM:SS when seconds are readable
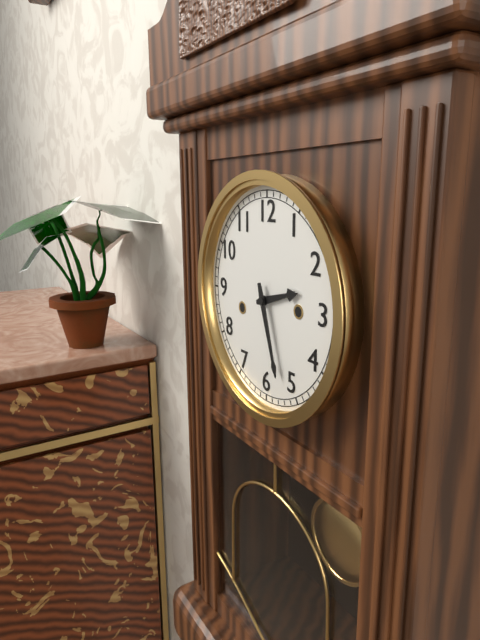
**2:27**
